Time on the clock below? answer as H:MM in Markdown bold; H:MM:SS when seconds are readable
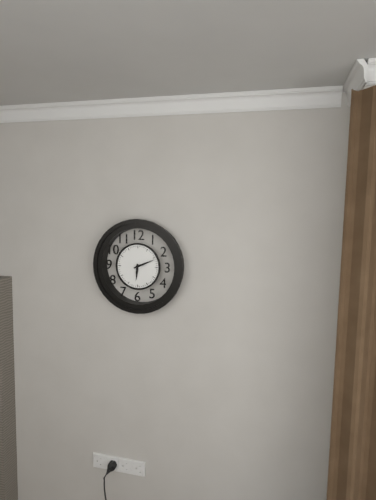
**6:11**
